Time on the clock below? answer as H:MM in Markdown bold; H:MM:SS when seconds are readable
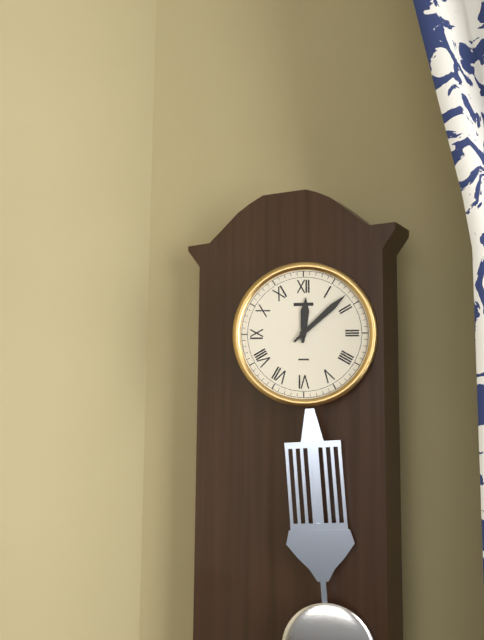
**12:08**
